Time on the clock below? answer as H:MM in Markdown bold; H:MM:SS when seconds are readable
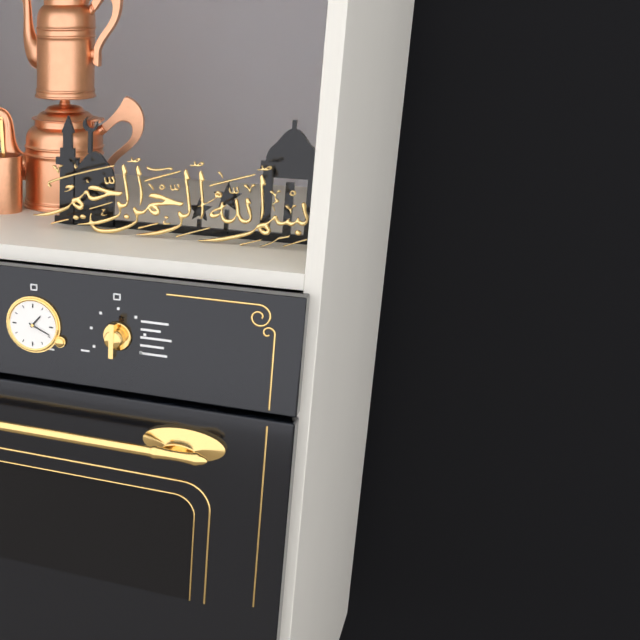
**1:19**
